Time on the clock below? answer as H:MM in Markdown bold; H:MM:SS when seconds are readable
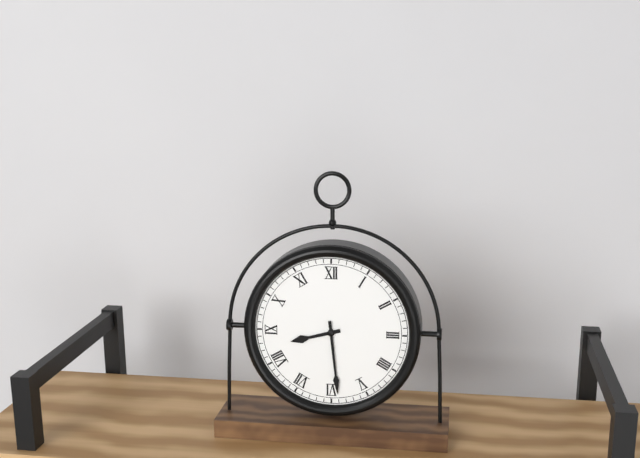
**8:29**
